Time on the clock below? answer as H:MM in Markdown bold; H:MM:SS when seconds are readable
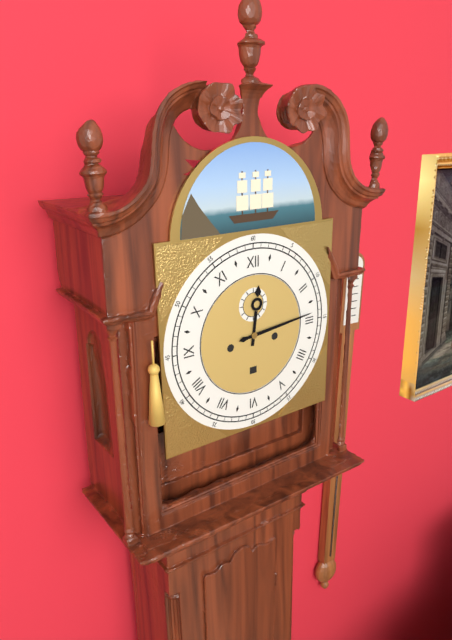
**12:14**
